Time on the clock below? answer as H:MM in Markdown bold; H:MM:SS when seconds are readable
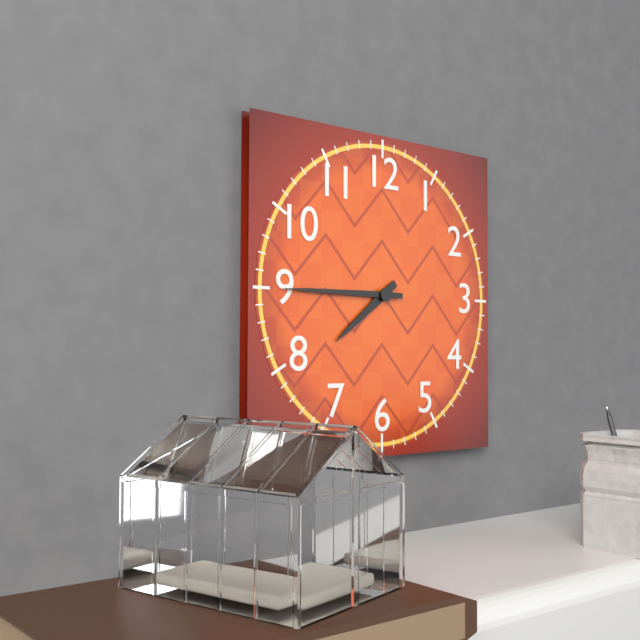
**7:45**
